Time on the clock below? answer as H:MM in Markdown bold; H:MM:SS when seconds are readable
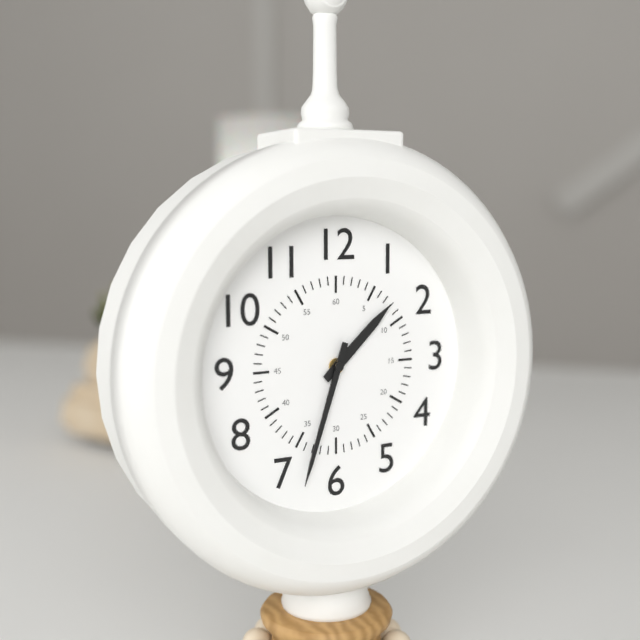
**1:33**
